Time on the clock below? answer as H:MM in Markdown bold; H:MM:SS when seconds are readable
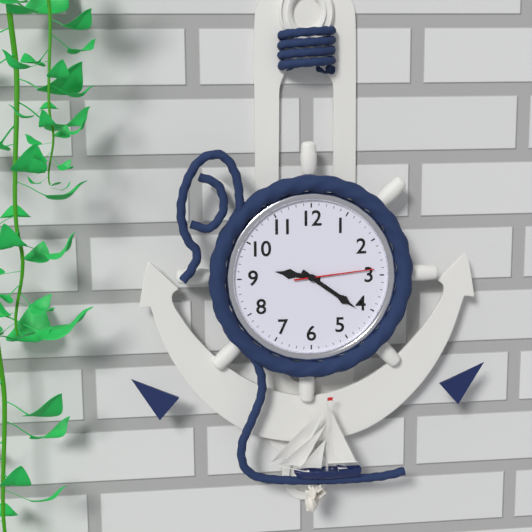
**9:21:14**
